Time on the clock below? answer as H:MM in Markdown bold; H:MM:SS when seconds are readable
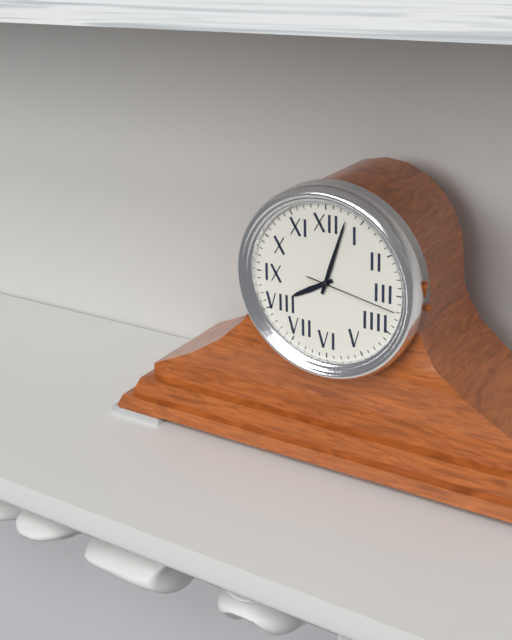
**8:03:17**
